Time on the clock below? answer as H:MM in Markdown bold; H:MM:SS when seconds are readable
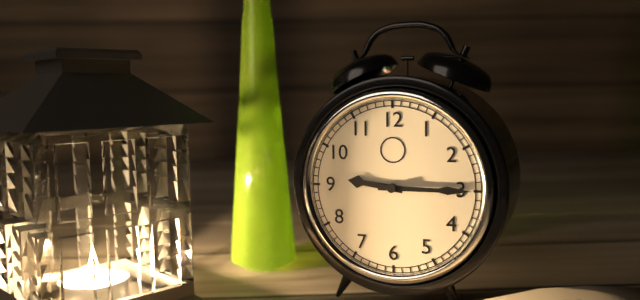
**9:15**
